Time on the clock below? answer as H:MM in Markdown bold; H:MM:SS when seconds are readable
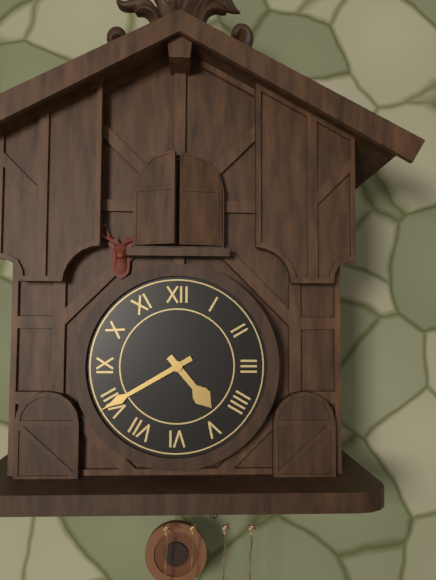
**4:40**
